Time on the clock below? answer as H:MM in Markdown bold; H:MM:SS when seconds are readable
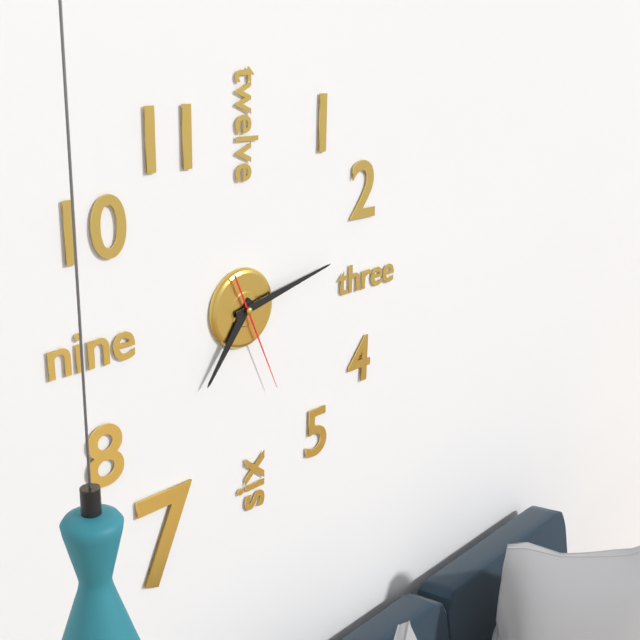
**7:13:26**
